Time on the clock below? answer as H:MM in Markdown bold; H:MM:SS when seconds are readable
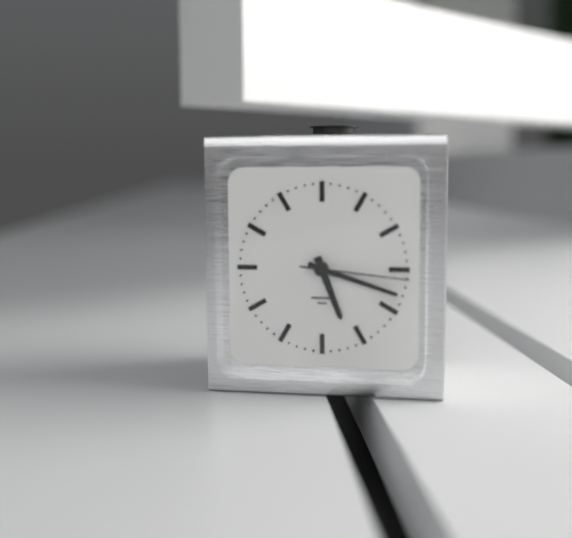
**5:18:16**
